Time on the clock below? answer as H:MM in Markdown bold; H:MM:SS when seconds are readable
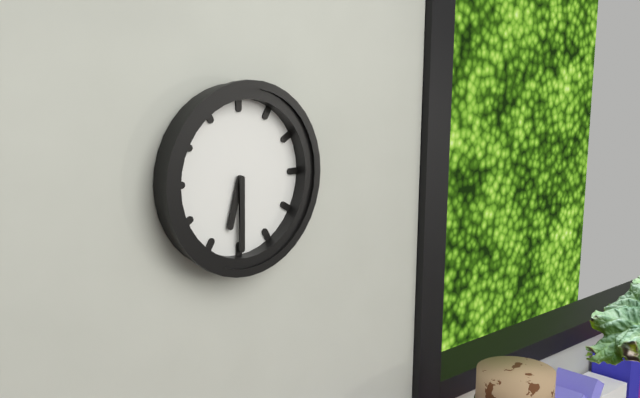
**6:30**
